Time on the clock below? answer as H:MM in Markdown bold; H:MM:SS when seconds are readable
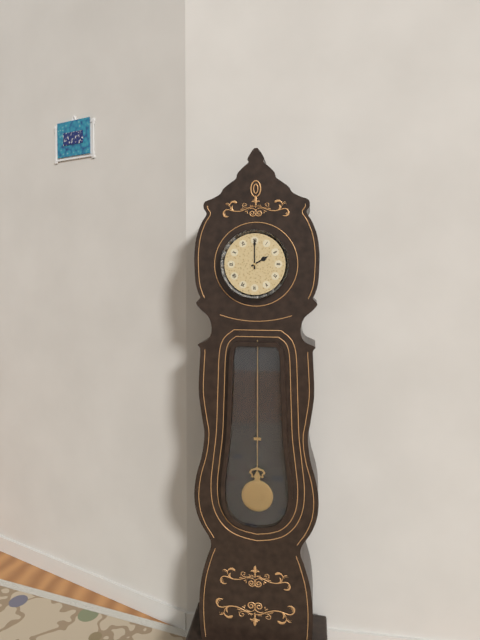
**2:00**
